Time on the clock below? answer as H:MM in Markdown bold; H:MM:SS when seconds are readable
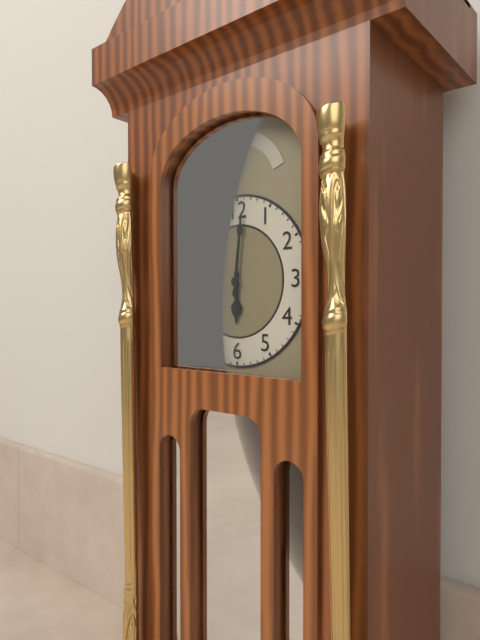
**6:01**
